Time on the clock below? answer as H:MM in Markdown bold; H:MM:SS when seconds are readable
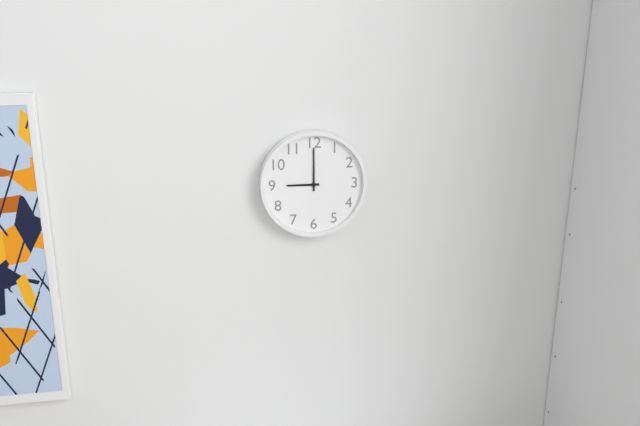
**9:00**
